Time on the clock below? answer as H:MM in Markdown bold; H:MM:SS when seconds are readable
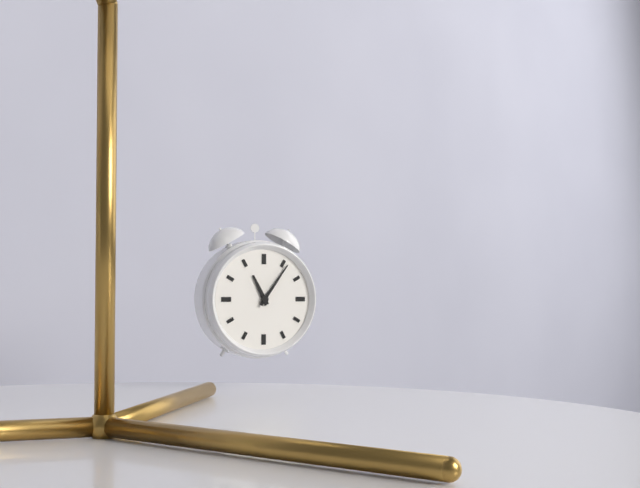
**11:06**
